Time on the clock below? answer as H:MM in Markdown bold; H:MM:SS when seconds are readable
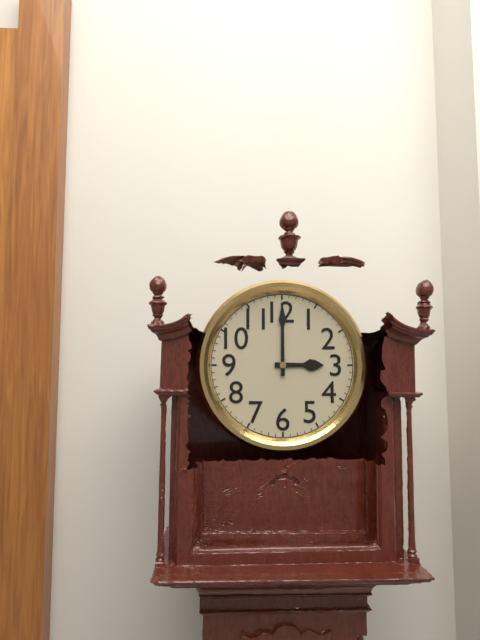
**3:00**
